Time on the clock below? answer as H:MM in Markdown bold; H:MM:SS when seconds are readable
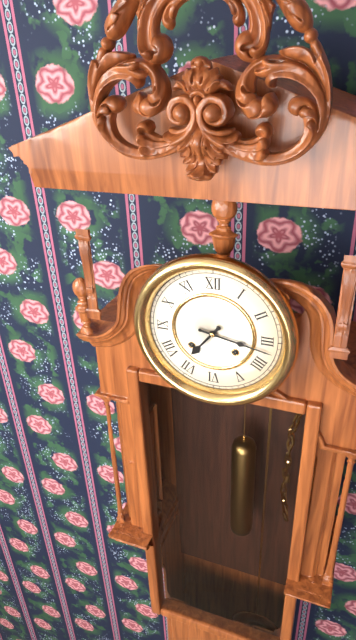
**7:17**
